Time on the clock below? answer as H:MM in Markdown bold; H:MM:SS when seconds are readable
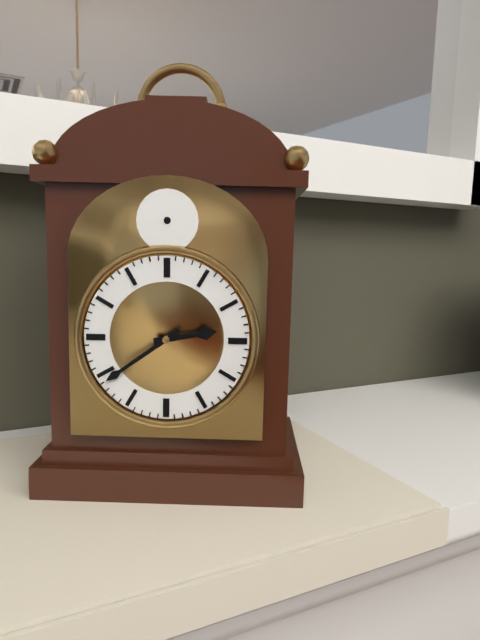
**2:39**
